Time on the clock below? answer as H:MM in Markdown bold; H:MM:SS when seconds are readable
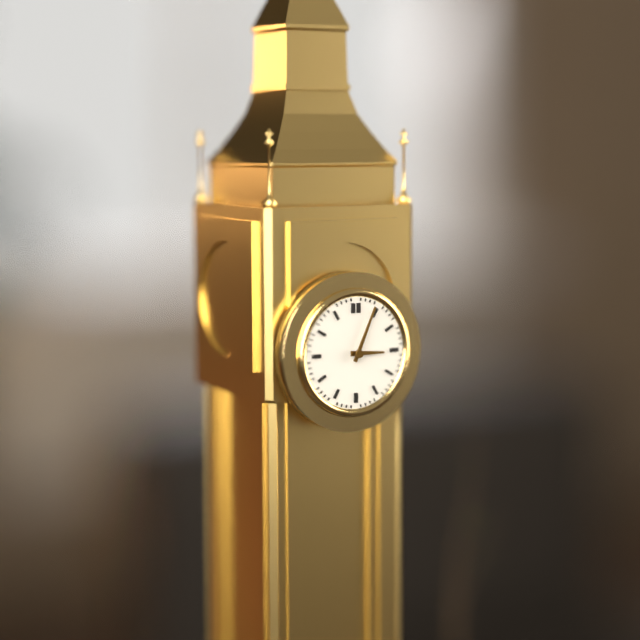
**3:04**
